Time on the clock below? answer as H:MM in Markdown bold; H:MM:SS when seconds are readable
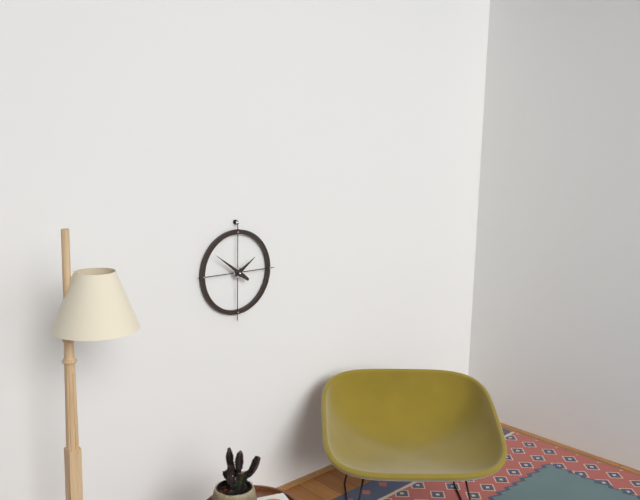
**1:51**
